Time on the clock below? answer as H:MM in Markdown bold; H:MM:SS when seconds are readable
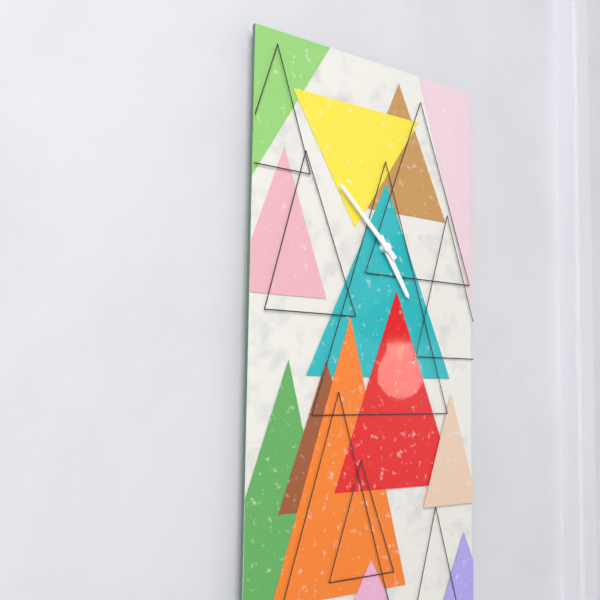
**4:52**
